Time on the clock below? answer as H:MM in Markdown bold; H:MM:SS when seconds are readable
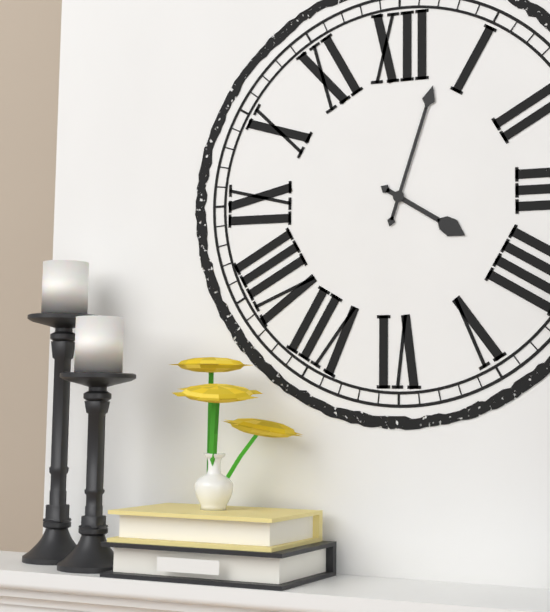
**4:03**
